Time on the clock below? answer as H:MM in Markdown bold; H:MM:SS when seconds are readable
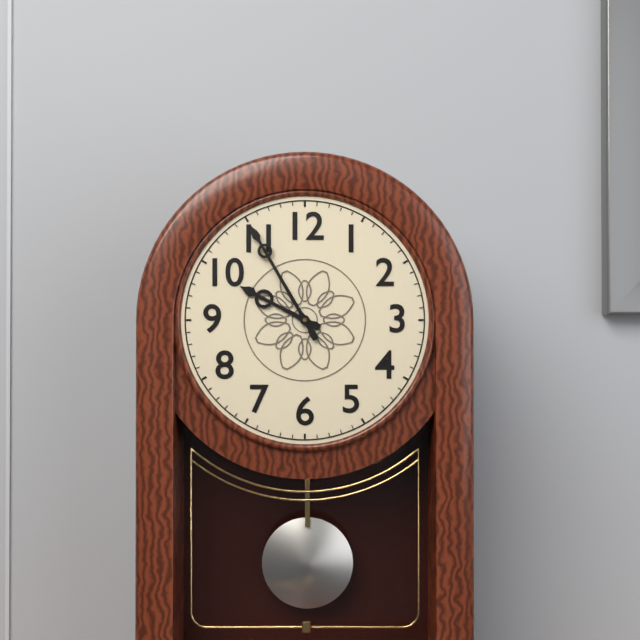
**9:55**
